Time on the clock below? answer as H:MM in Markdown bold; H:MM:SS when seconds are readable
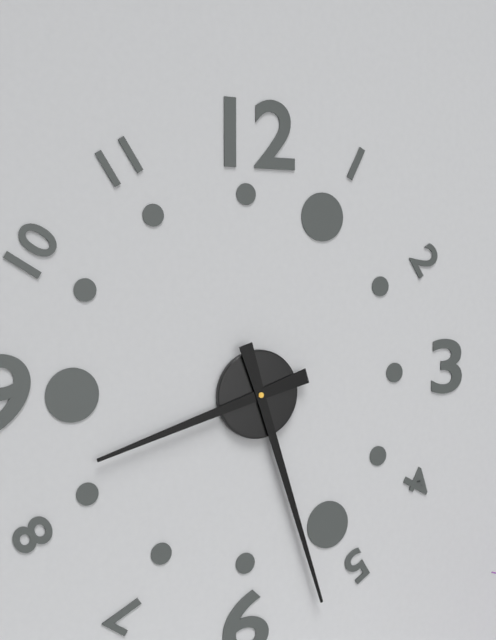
**8:27**
